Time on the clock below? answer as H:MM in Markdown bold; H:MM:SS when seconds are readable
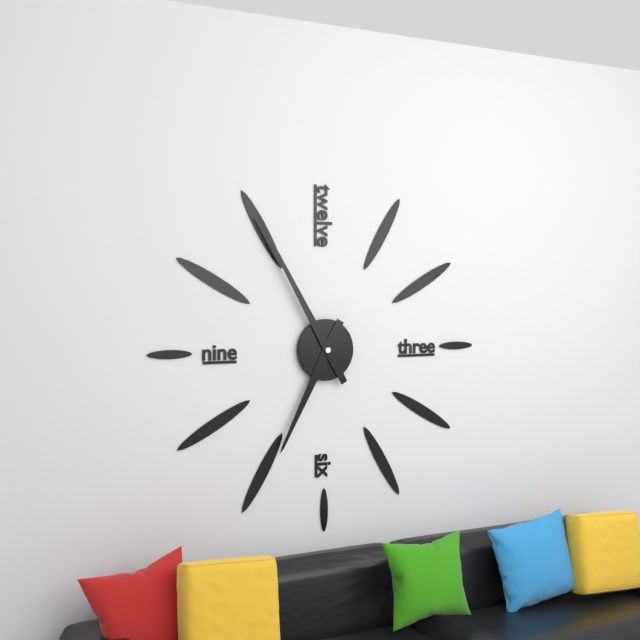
**6:55**
